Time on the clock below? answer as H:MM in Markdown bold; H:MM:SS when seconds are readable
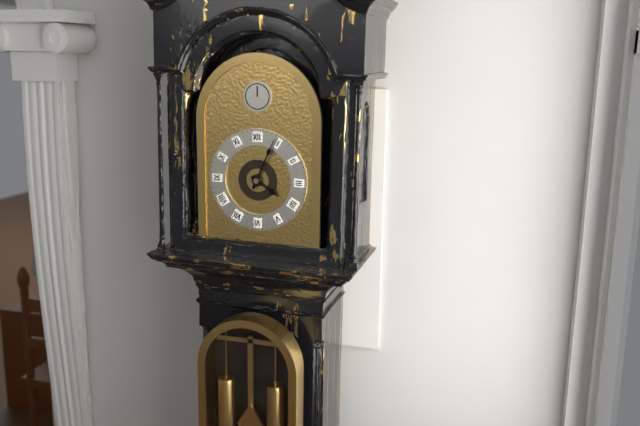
**4:04**
